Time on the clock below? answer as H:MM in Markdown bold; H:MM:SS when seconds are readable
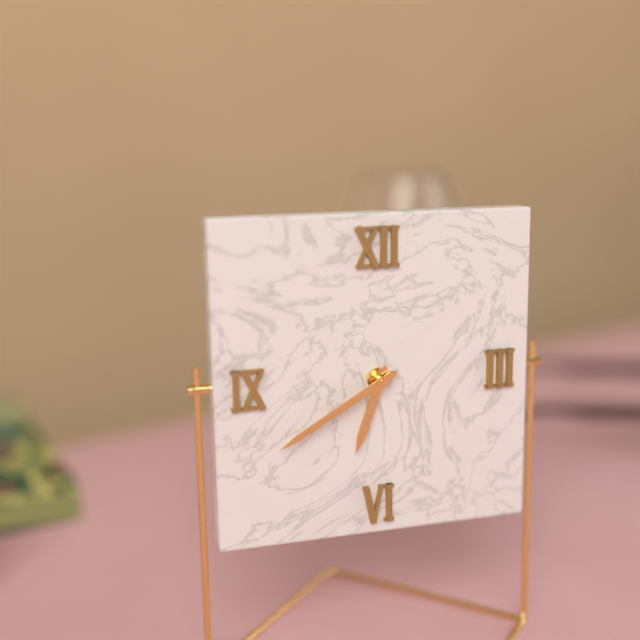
**6:40**
